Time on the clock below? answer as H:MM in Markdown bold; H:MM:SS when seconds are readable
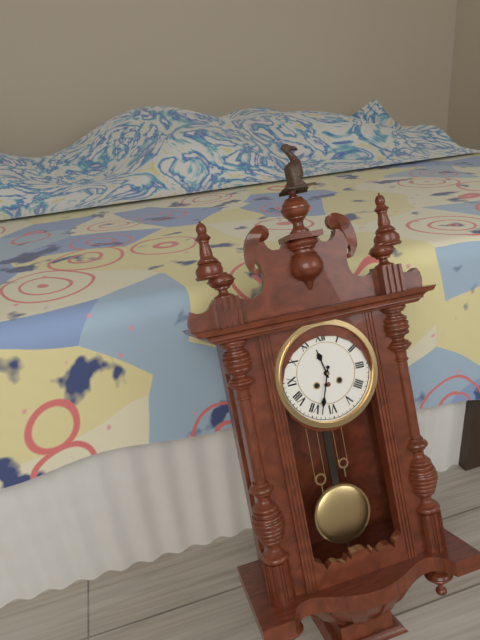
**11:33**
